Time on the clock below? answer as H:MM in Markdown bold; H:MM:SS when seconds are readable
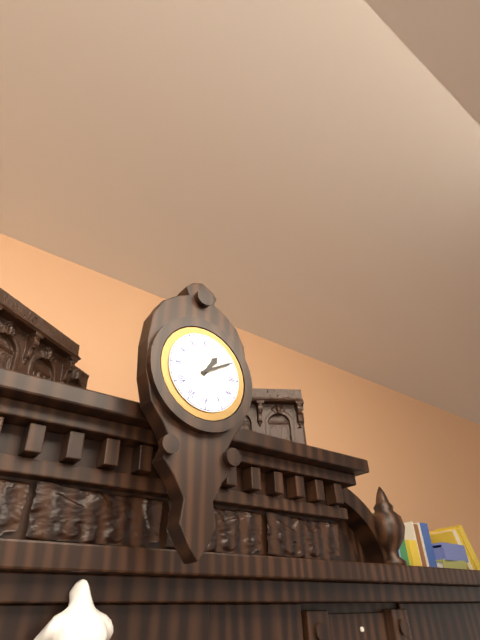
**1:10**
